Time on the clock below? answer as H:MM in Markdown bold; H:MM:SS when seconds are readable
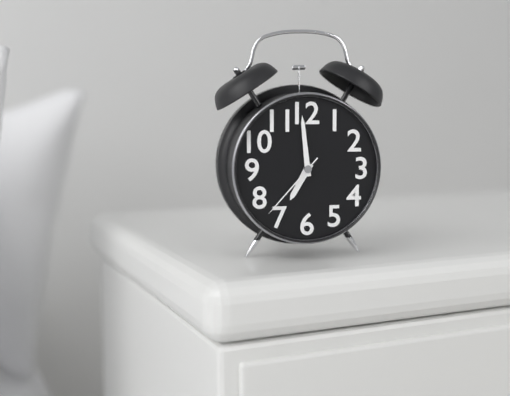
**6:59:37**
